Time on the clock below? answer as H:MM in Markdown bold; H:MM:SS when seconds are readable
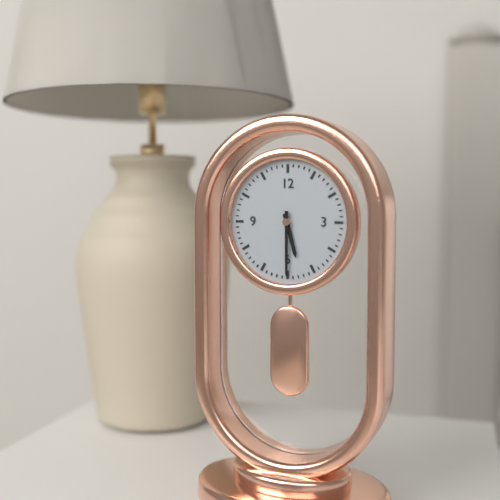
**5:30**
